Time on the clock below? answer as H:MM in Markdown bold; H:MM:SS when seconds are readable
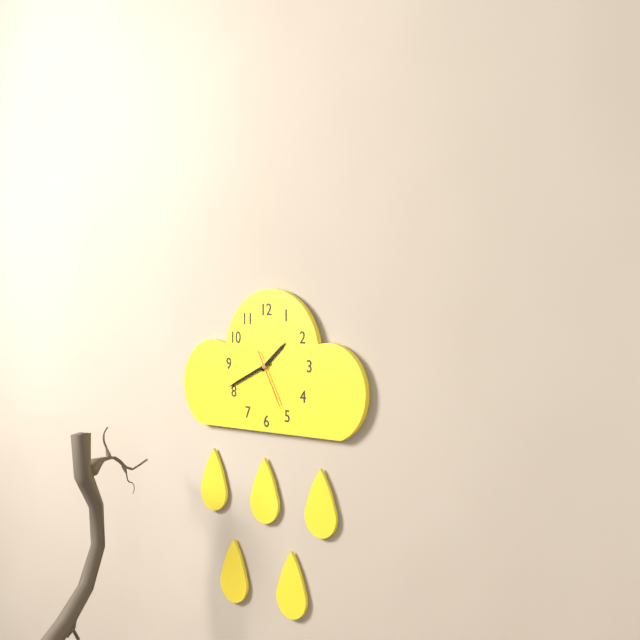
**1:41:25**
